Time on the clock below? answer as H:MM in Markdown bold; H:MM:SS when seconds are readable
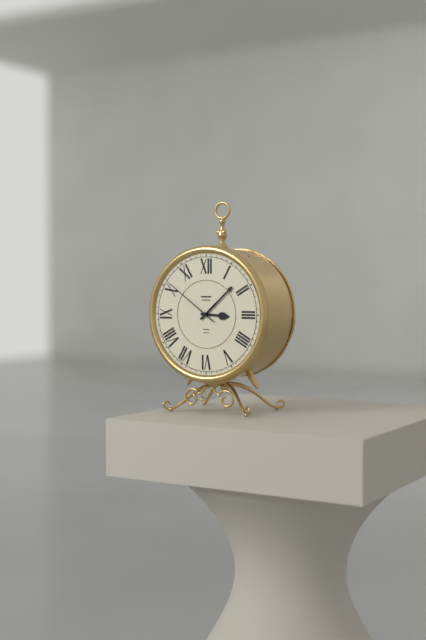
**3:08:51**
